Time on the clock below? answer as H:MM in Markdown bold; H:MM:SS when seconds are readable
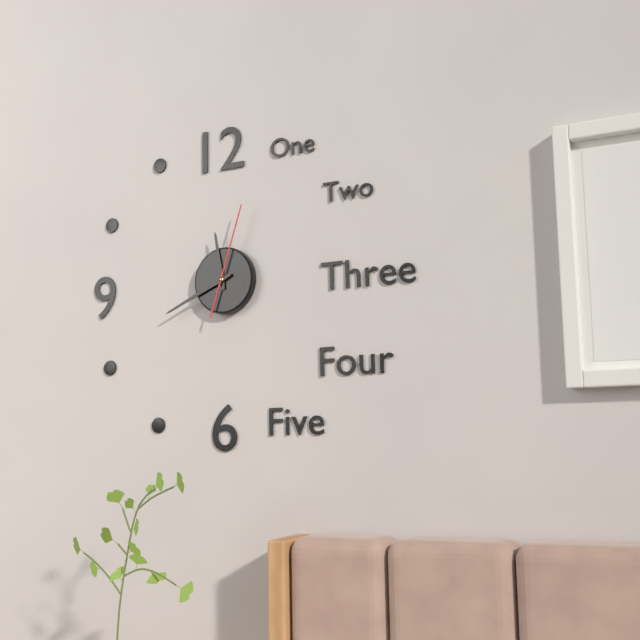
**11:41:03**
